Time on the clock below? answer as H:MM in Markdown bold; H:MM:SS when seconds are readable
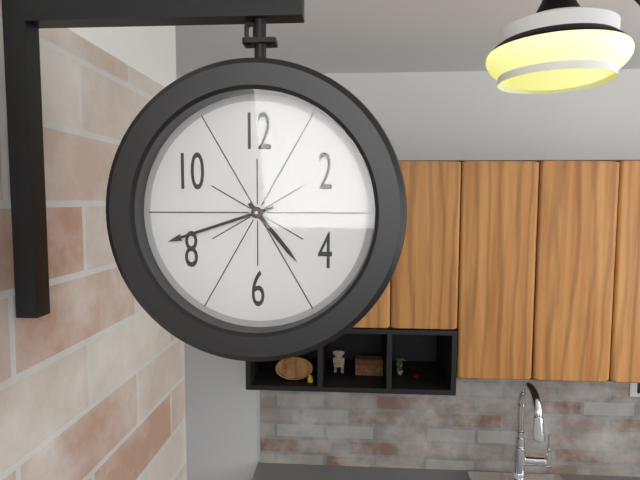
**4:42**
